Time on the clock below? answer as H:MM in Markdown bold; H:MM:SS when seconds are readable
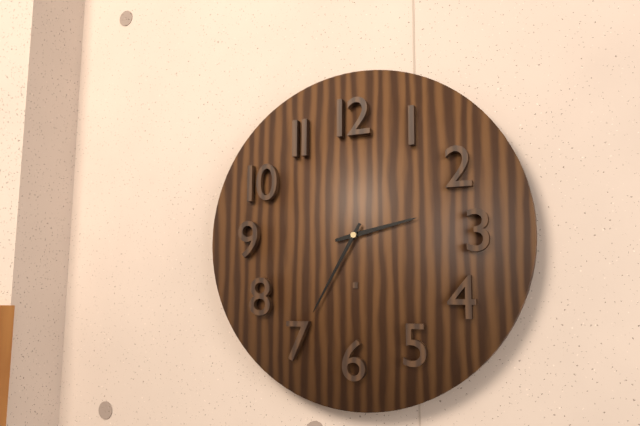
**2:35**
